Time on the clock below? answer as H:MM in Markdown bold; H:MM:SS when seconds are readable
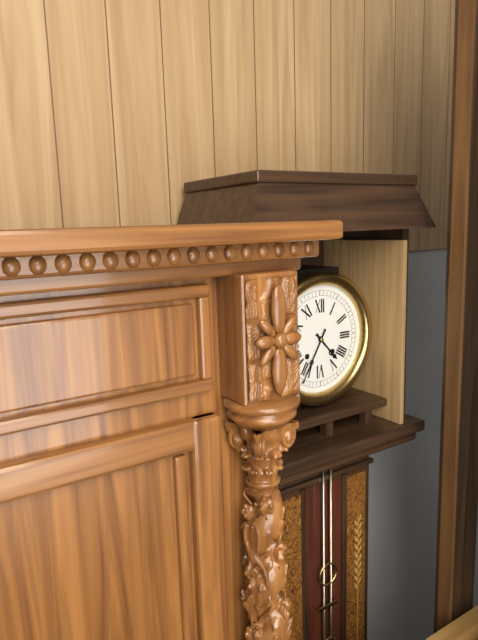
**4:35**
